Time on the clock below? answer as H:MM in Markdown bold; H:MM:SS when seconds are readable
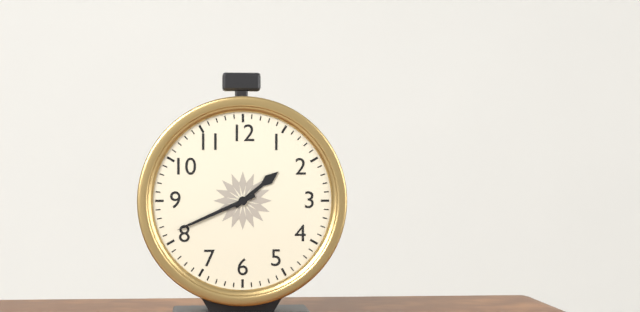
**1:41**
